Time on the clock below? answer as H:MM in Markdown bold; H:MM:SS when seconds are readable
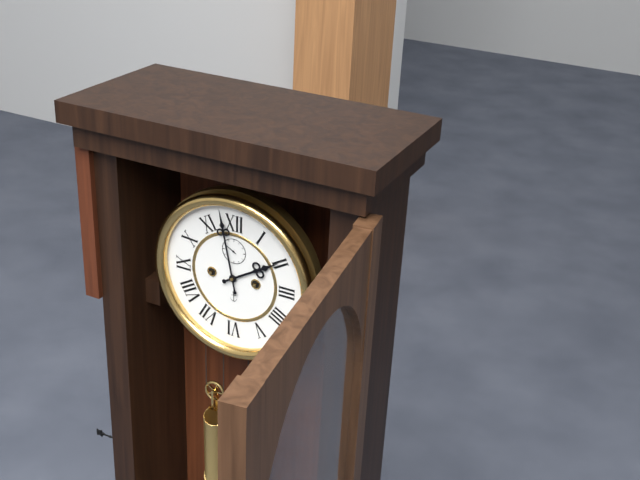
**1:58**
